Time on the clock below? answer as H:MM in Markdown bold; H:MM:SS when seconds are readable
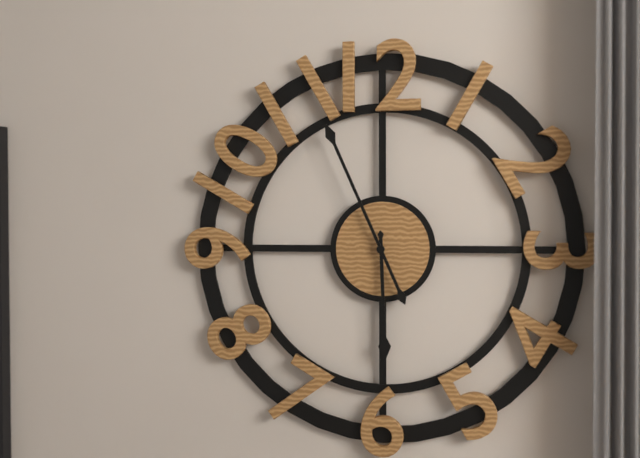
**5:56**
